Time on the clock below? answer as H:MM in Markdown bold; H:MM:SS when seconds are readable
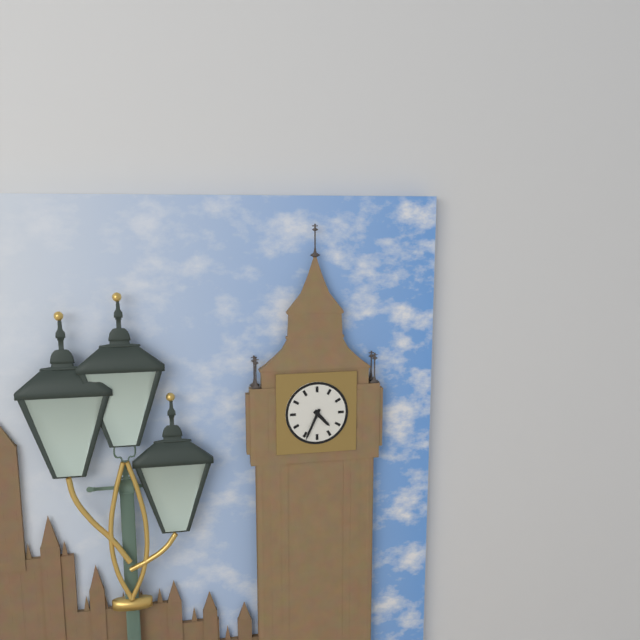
**4:34**
